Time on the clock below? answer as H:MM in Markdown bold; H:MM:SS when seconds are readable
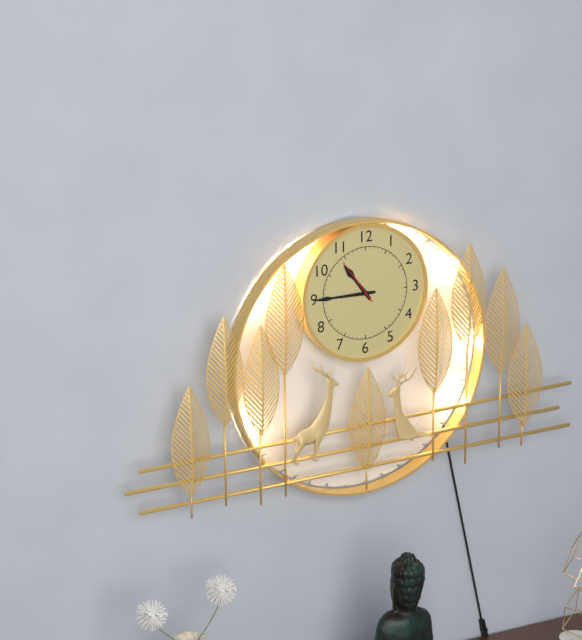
**10:45**
